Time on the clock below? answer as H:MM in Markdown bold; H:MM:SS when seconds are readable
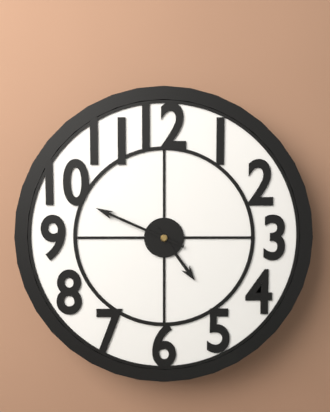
**4:49**
